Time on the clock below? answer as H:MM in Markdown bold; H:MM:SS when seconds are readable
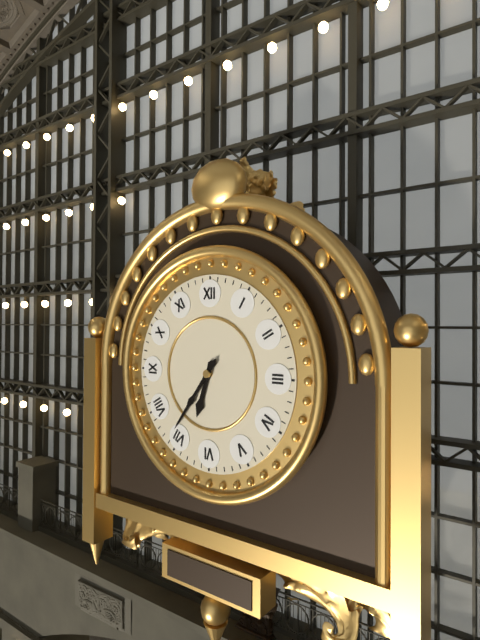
**6:36**
